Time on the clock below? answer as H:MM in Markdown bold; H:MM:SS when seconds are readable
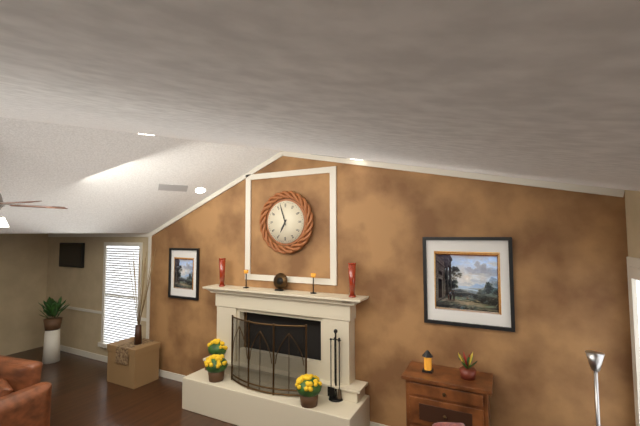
**6:57**
